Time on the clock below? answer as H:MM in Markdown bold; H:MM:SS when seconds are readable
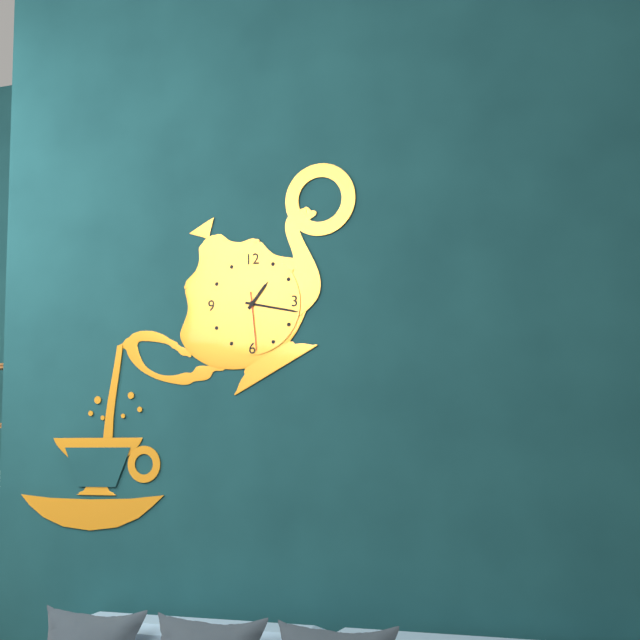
**1:17:29**
